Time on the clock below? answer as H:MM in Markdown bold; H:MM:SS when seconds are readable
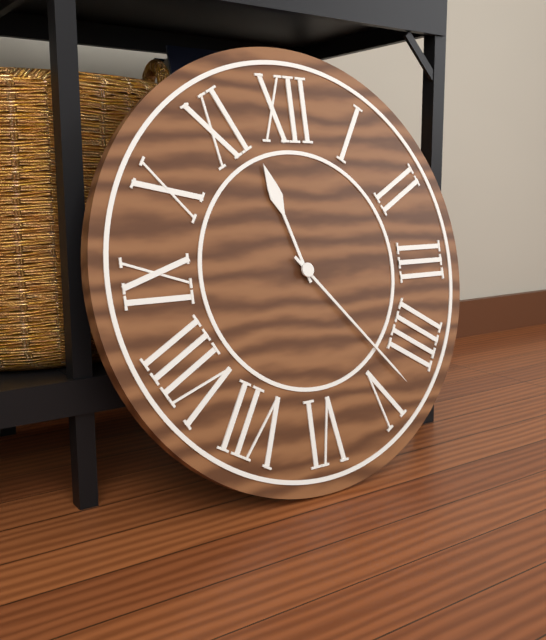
**11:23**
